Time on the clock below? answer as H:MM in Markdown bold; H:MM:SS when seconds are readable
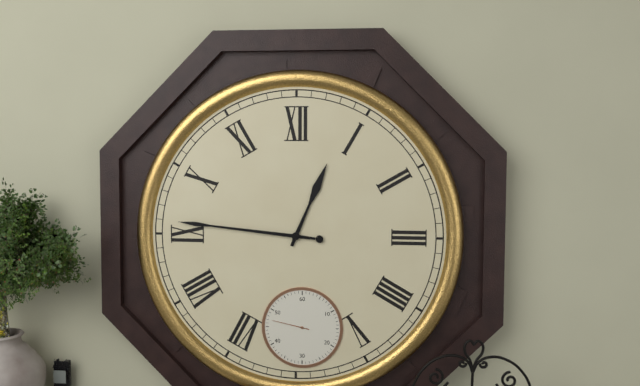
**12:46**
